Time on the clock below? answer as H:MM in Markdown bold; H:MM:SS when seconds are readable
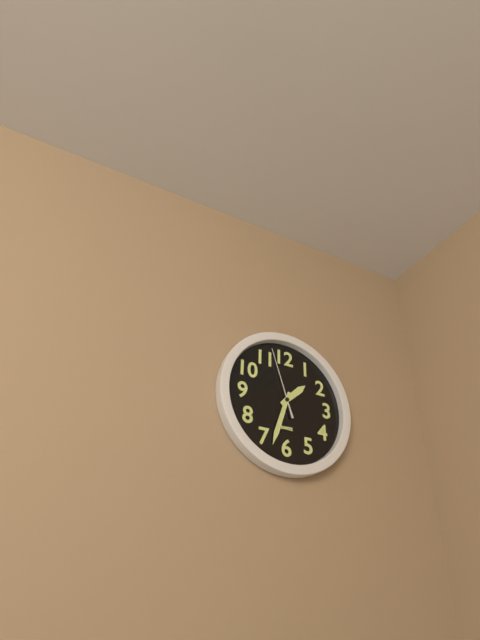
**1:33:57**
